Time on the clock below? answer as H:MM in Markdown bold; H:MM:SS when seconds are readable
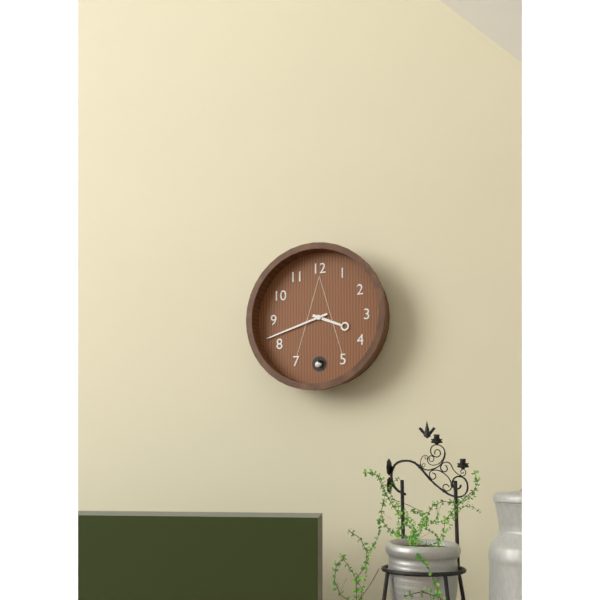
**3:42**
